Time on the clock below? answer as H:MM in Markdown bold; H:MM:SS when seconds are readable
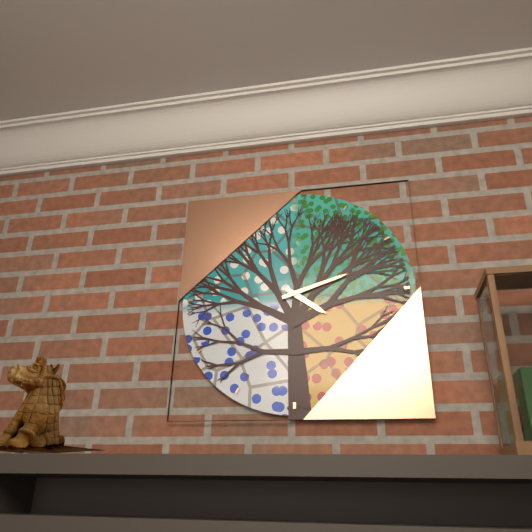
**4:12**
